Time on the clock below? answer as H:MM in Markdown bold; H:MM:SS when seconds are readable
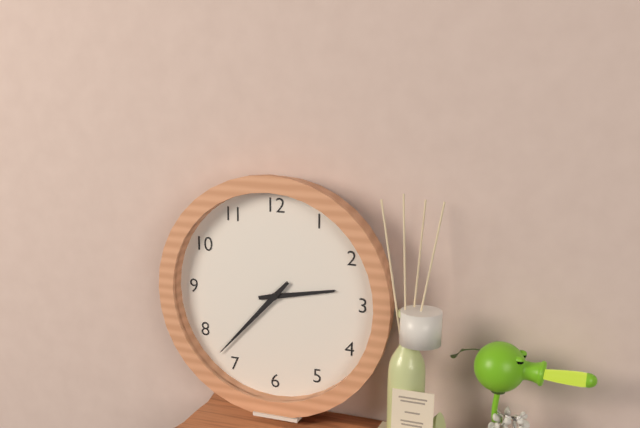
**2:37**
